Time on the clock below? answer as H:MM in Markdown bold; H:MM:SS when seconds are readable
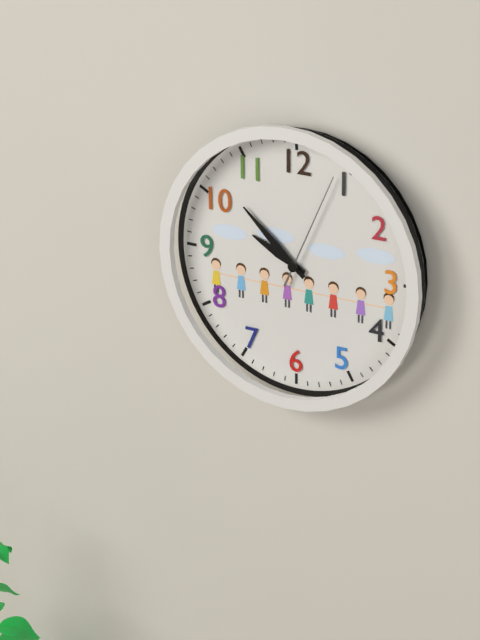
**9:52:04**
